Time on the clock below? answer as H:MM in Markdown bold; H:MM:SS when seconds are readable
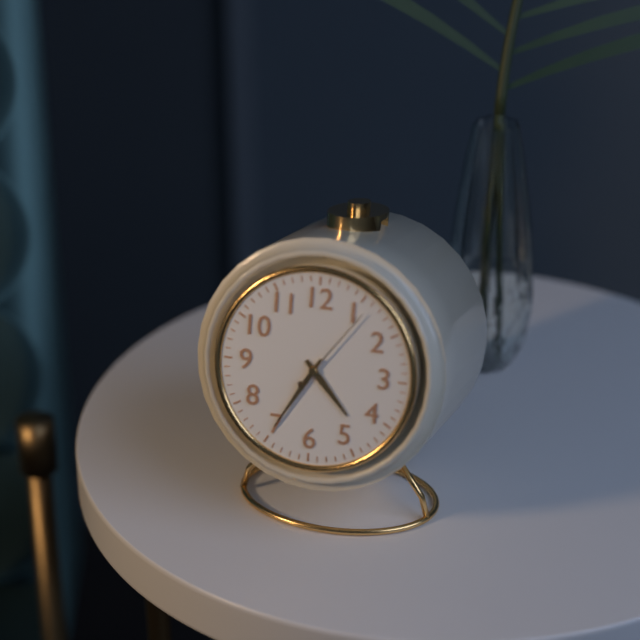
**4:35**
